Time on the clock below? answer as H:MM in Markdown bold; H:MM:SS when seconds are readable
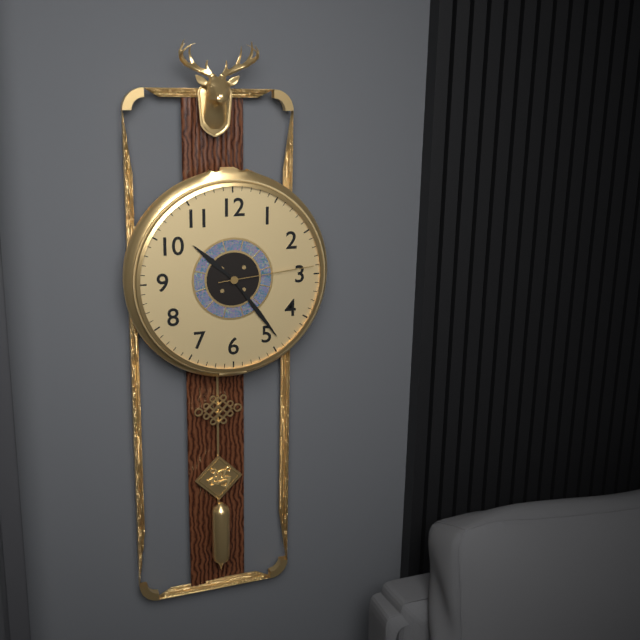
**10:24:14**
